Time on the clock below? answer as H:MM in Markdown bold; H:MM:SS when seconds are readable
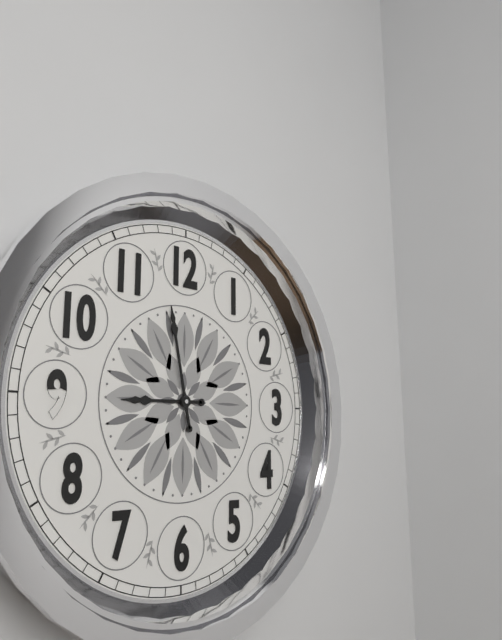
**8:58**
